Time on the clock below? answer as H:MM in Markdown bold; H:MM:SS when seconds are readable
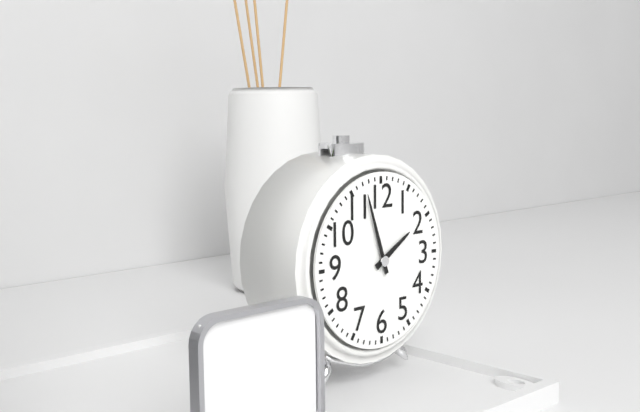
**1:57**
